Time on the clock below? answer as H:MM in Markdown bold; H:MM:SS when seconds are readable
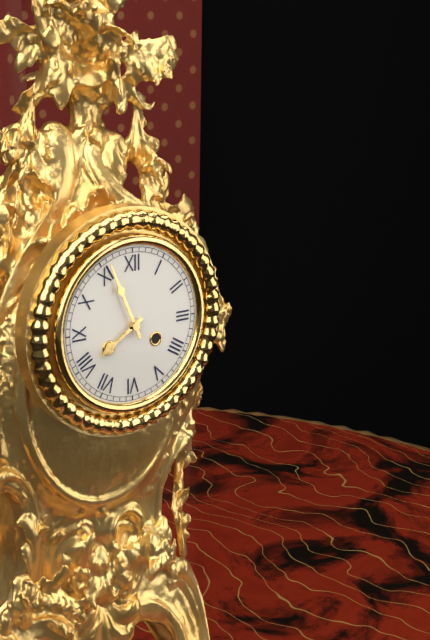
**7:56**
